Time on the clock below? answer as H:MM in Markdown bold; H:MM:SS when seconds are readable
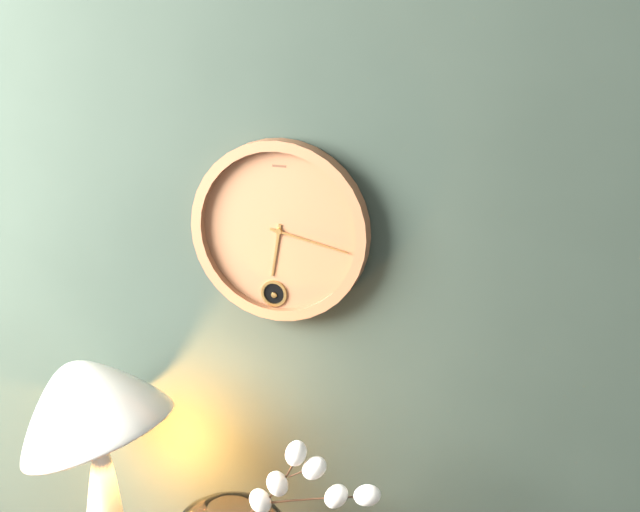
**6:17**
